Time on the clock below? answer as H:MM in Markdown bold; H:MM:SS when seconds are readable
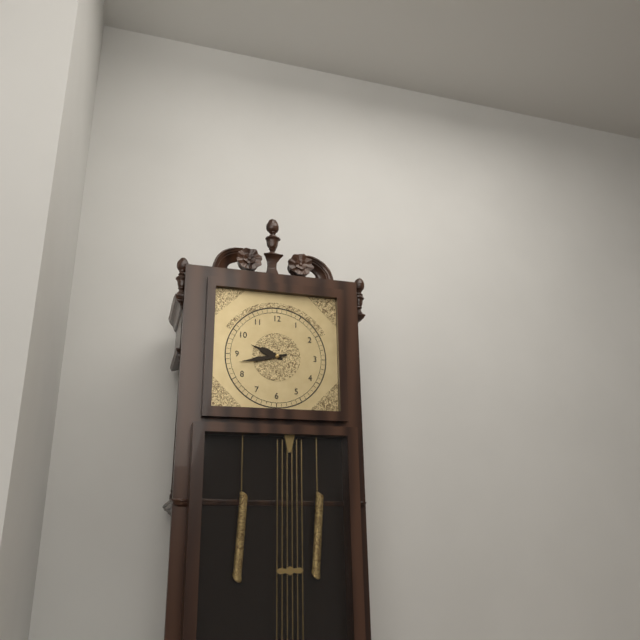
**9:43**
